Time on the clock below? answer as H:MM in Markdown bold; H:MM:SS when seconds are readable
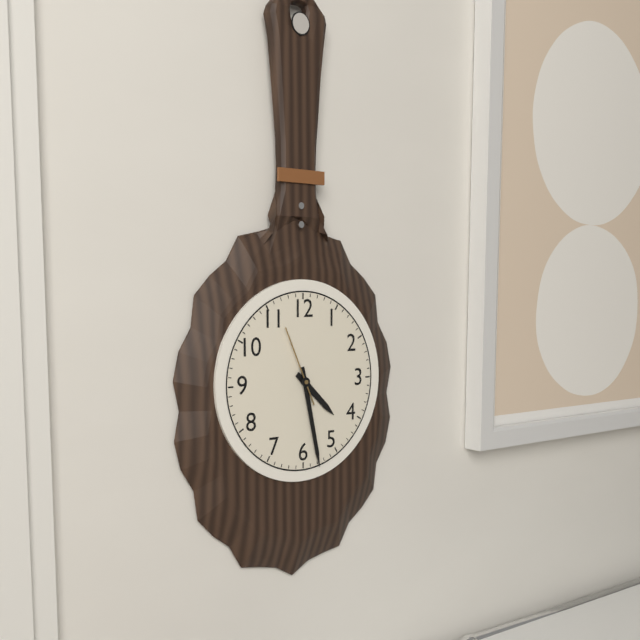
**4:28:56**
